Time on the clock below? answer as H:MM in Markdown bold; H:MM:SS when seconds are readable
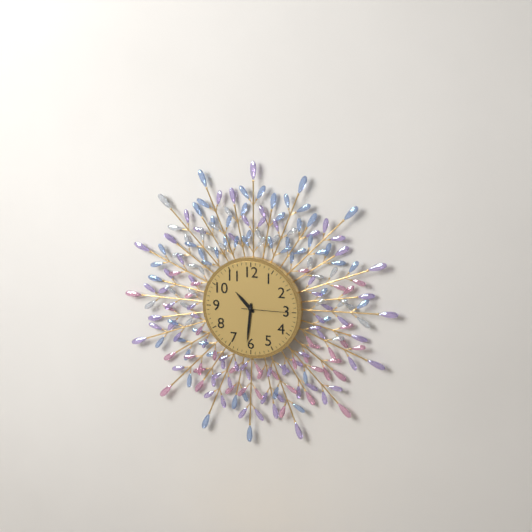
**10:31**
